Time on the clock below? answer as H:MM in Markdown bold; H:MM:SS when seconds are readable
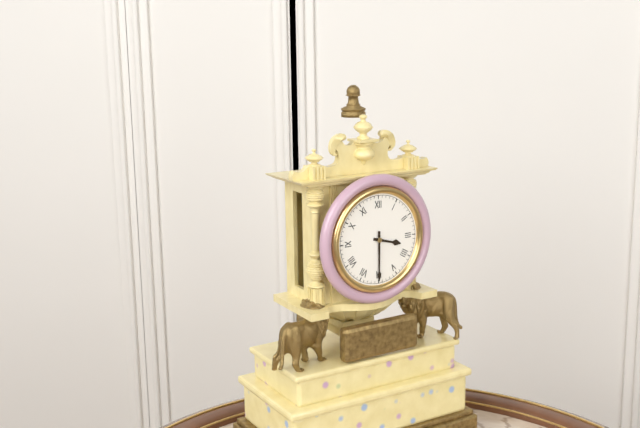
**3:30**
